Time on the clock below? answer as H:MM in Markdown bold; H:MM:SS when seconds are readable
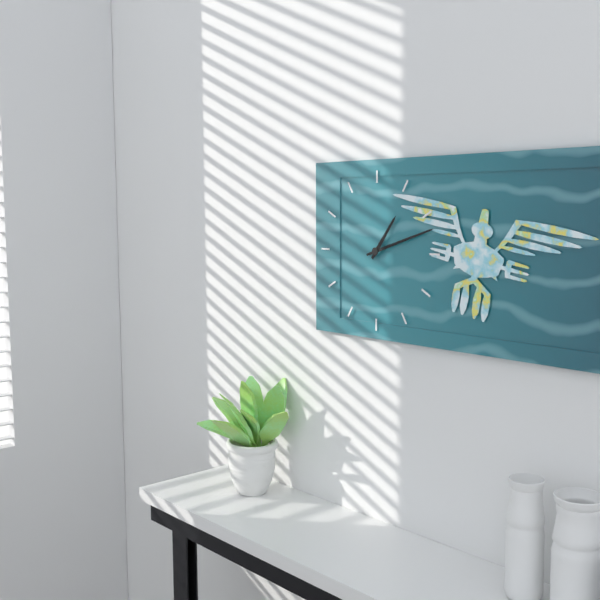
**1:12**
